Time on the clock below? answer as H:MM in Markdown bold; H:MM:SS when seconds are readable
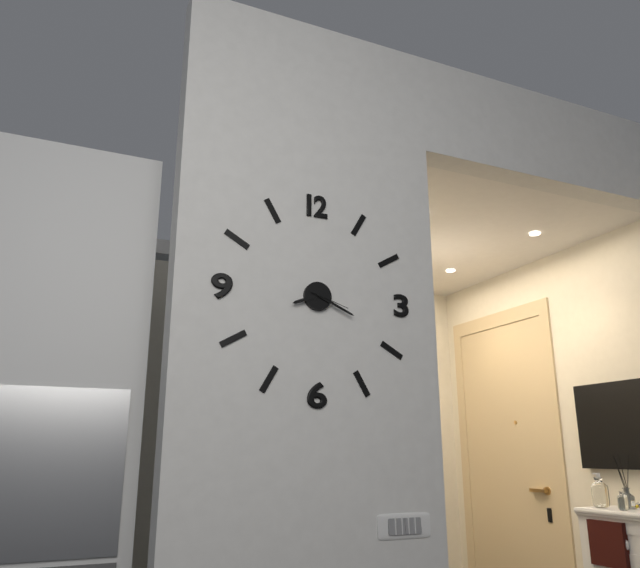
**8:19**
